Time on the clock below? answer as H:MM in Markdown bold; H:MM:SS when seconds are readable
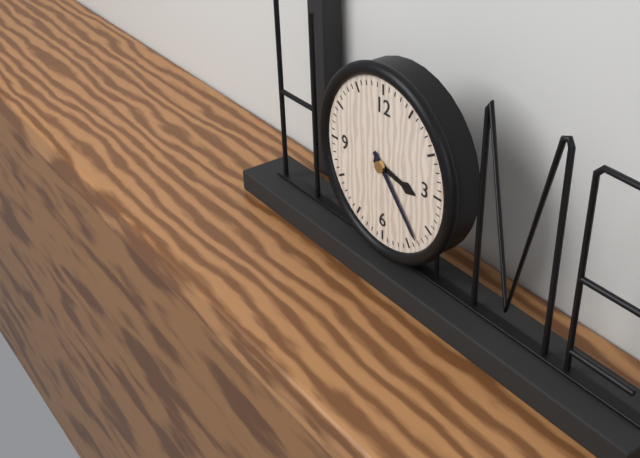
**3:23**
